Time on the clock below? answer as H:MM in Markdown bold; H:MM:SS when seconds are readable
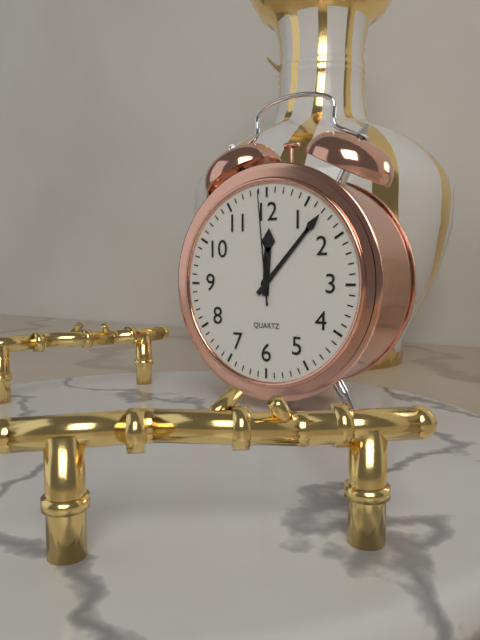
**12:07:59**
